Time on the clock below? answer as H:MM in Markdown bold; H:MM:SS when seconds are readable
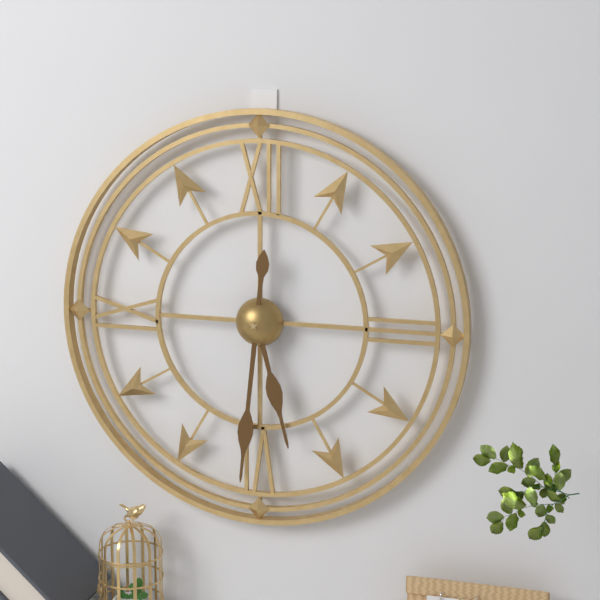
**5:31**
